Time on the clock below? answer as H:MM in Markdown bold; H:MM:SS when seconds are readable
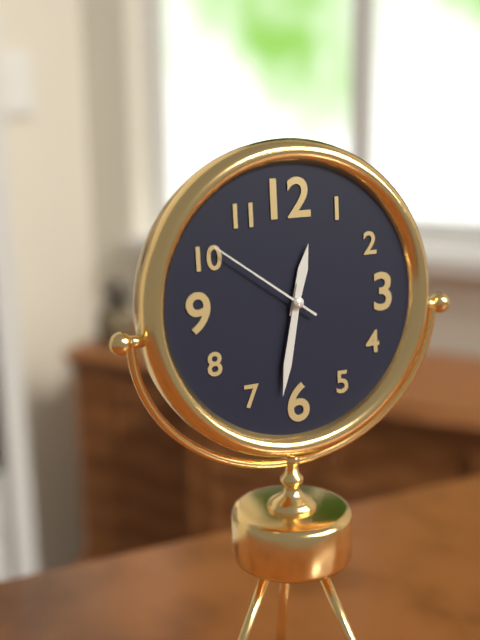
**12:32:51**
